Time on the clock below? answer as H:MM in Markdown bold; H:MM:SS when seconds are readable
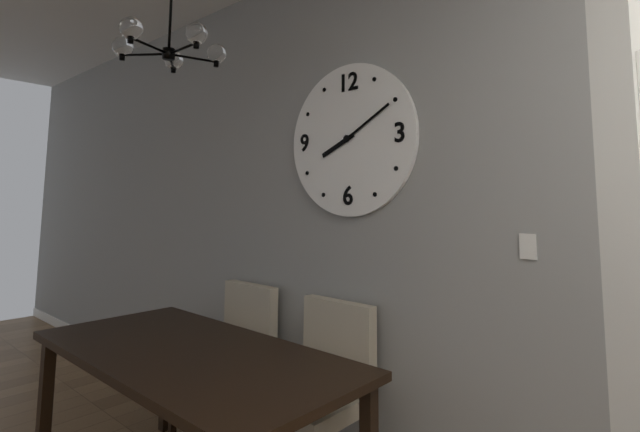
**8:10**
